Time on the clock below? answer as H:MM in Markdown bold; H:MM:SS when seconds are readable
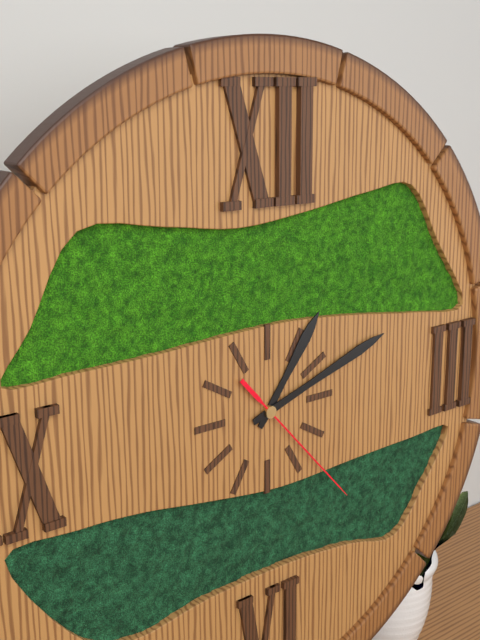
**1:12:23**
